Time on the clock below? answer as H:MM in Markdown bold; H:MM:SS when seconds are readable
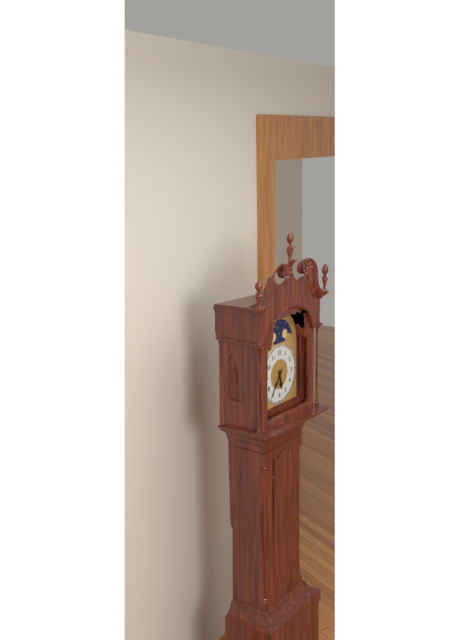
**5:36**
